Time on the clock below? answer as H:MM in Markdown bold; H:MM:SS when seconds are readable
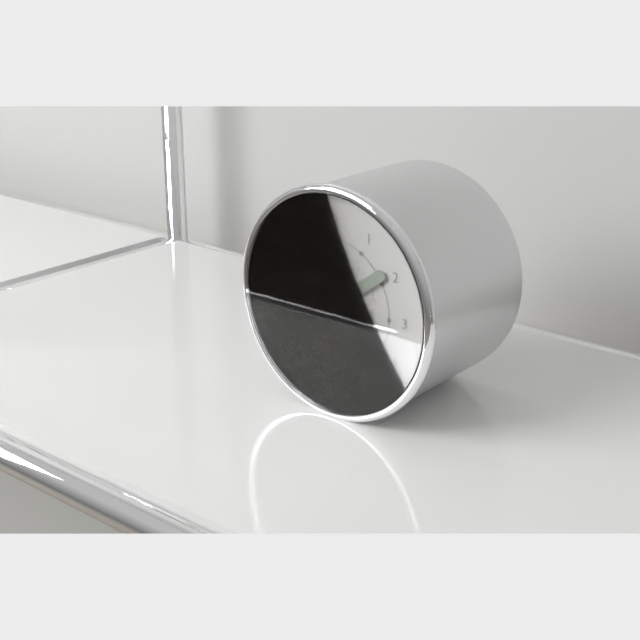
**6:09:34**
